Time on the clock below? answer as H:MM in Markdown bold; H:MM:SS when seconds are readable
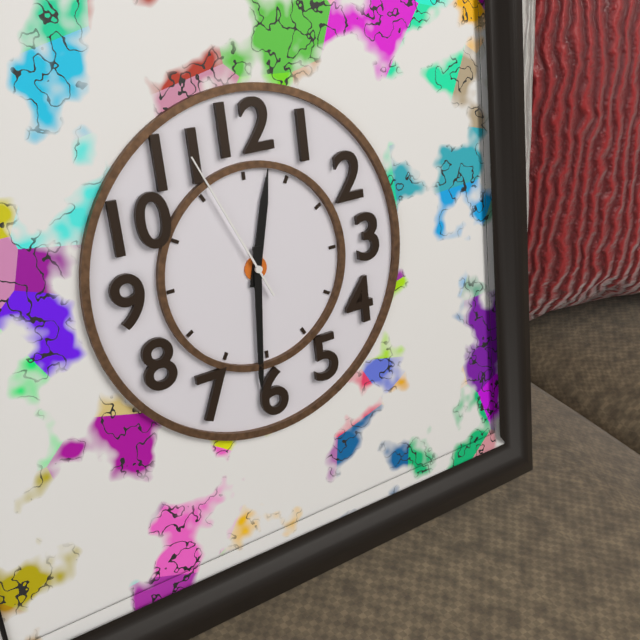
**12:31:56**
